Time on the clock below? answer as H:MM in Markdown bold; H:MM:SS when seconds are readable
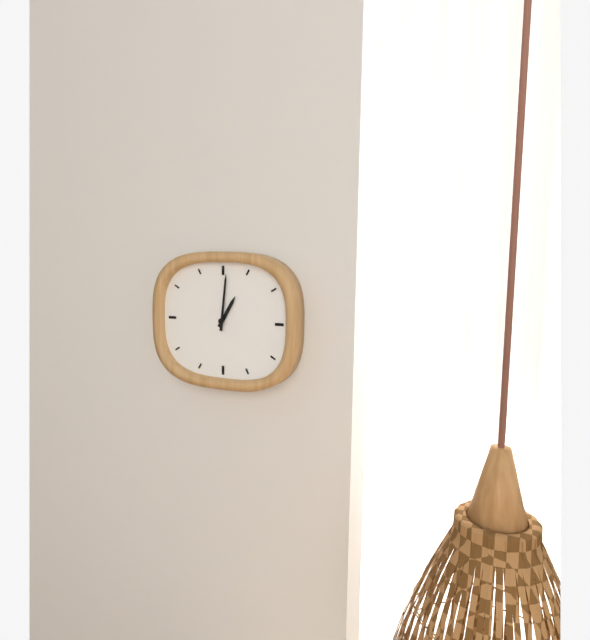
**1:01**
